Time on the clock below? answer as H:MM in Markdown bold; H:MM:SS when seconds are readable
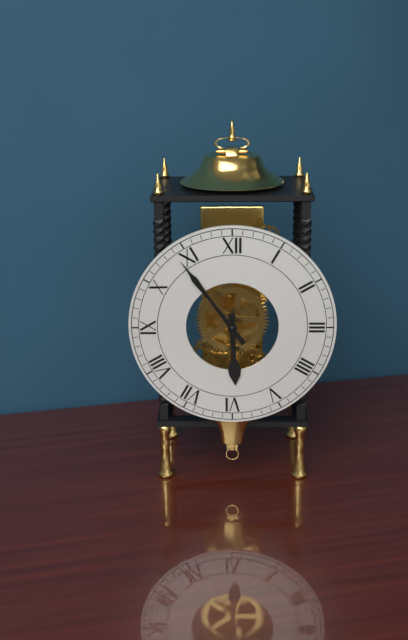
**5:54**
